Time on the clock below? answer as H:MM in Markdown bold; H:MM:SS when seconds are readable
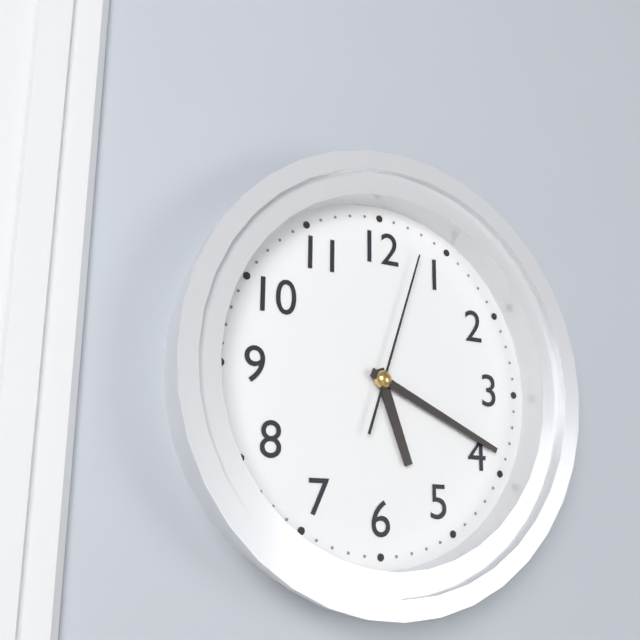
**5:19:03**
